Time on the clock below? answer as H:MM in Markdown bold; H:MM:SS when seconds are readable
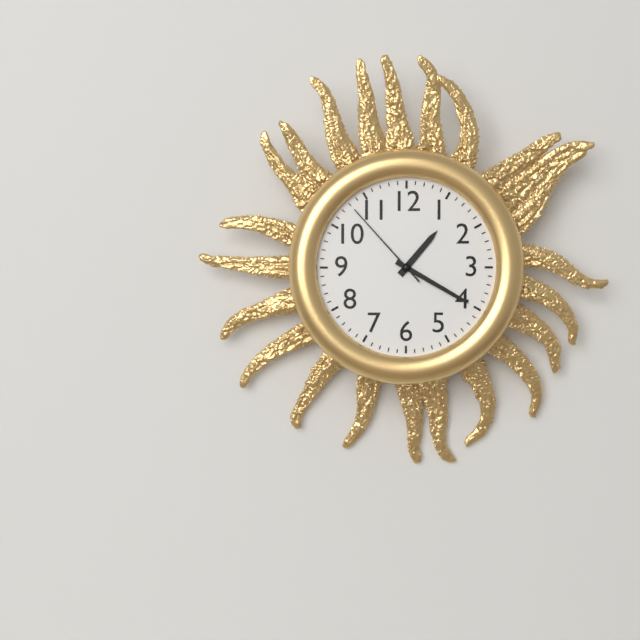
**1:20:53**
